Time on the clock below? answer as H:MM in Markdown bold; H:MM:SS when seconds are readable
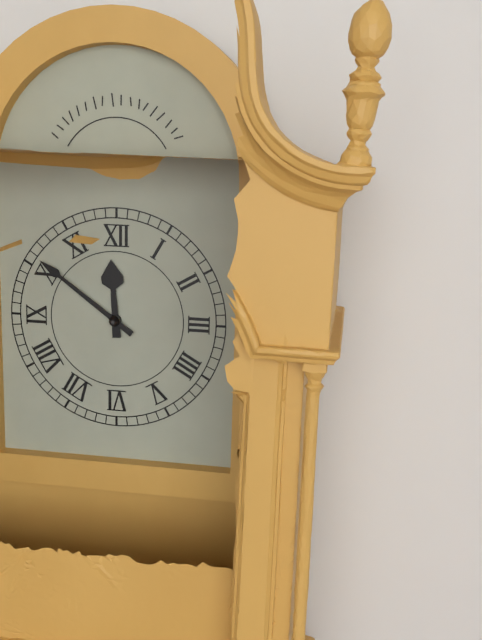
**11:51**
